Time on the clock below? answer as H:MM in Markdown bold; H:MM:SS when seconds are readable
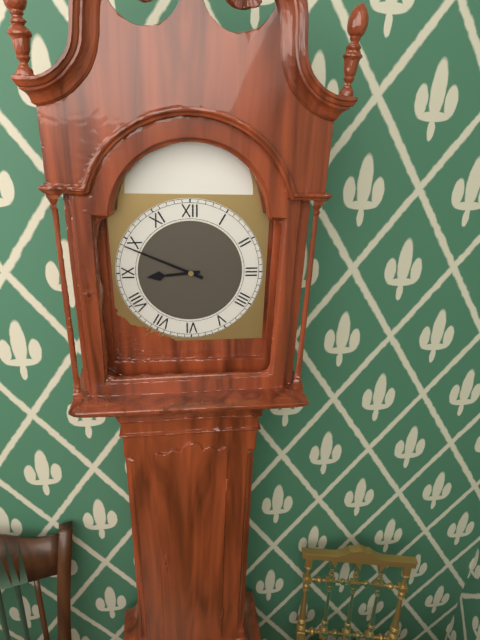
**8:49**
